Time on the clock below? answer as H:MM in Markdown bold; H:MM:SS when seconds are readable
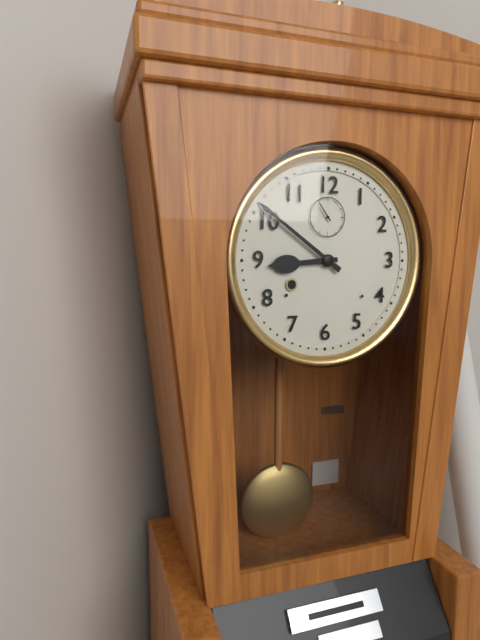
**8:51**
